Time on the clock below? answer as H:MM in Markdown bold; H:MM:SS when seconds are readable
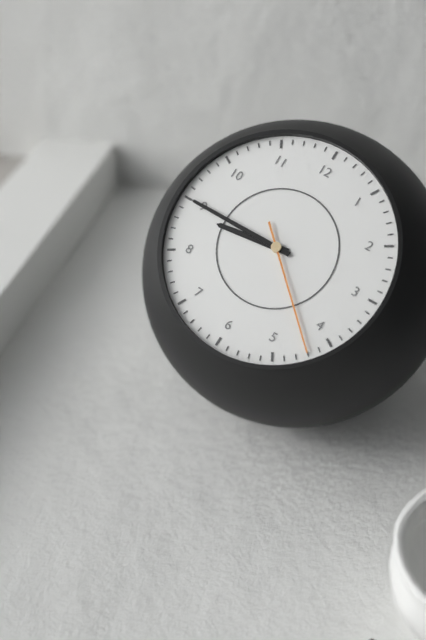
**8:45:22**
